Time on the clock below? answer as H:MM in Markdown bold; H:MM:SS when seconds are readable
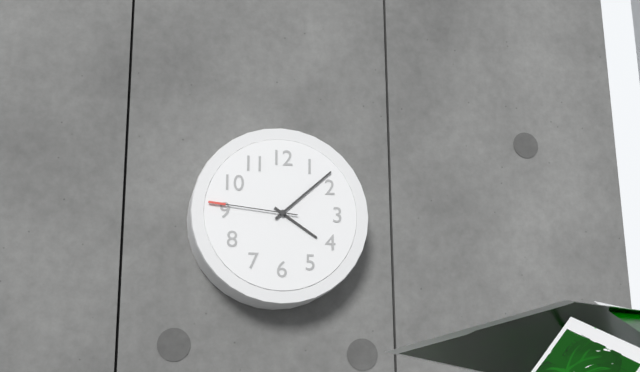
**4:08:46**
